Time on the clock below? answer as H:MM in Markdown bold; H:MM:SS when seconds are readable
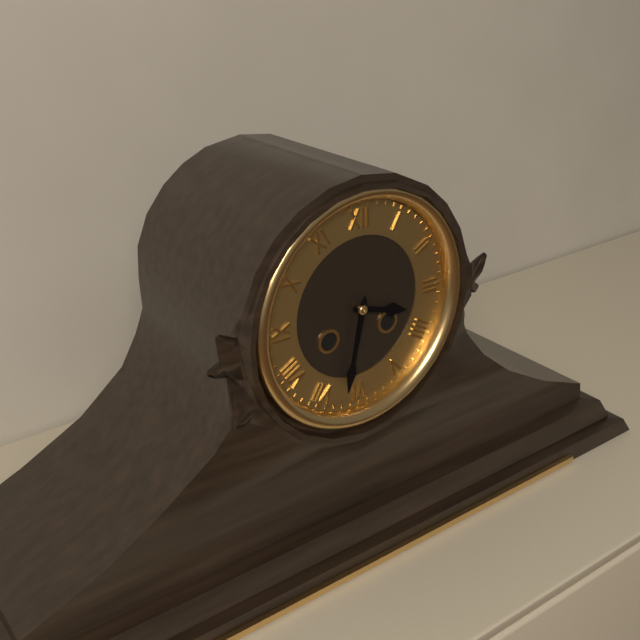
**3:32**
